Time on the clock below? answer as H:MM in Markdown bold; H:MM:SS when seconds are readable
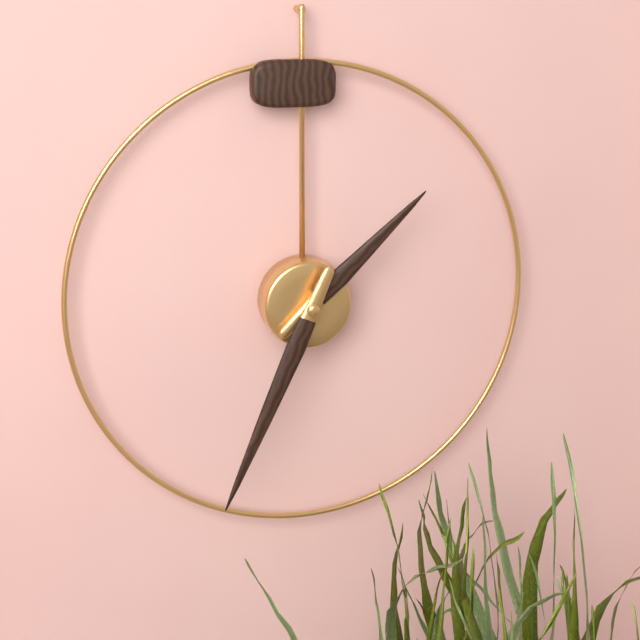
**1:34**
